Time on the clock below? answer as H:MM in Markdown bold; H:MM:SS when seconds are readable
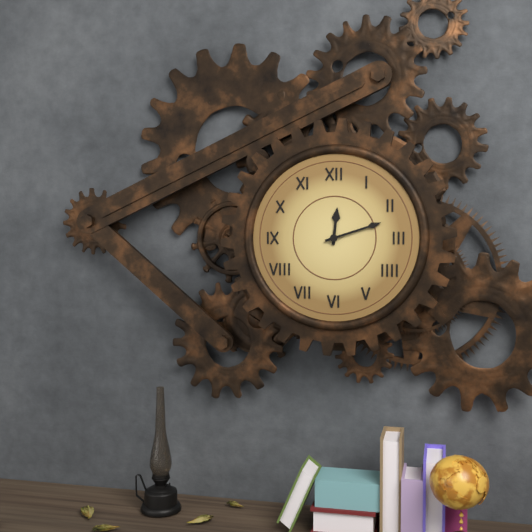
**12:12**
